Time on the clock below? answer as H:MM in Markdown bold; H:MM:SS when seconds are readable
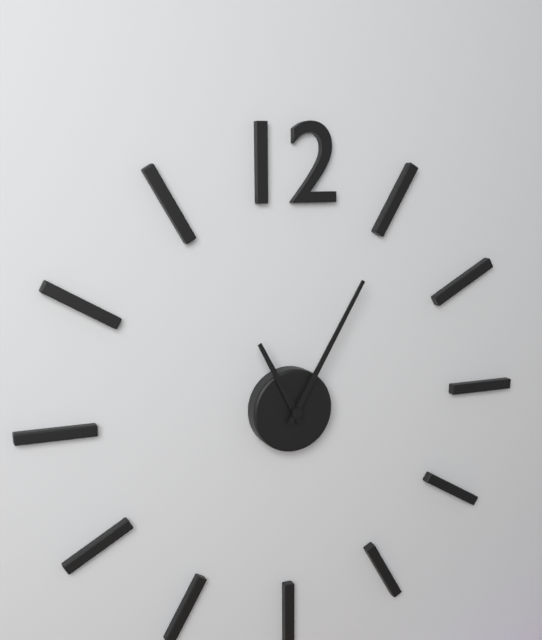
**11:05**
